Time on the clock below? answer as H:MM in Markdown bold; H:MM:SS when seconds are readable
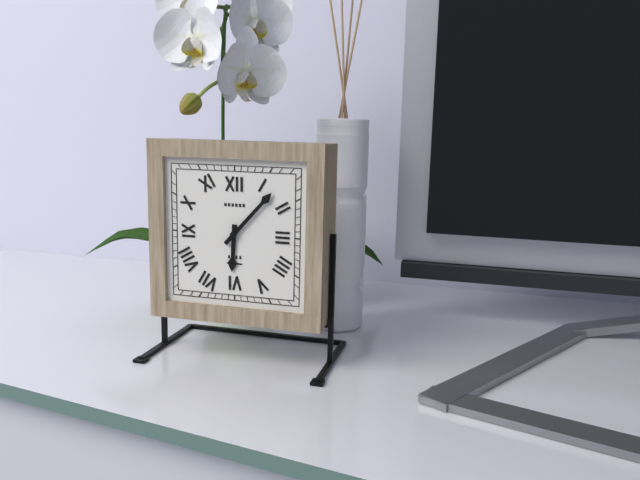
**6:07**
